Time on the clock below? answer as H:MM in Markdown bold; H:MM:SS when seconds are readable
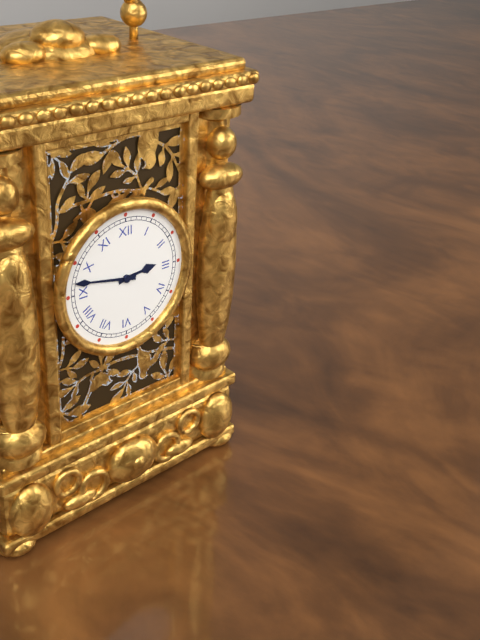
**2:47**
